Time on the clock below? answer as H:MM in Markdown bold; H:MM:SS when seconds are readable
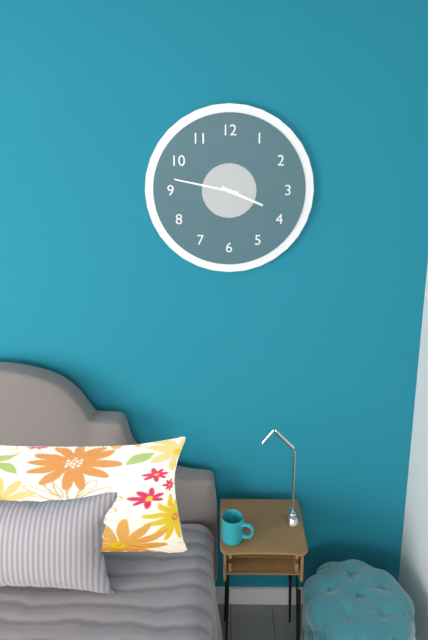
**3:47**
